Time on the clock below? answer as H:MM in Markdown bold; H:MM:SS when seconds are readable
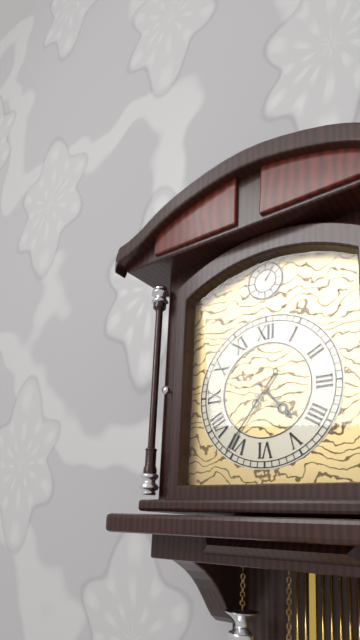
**4:36**
